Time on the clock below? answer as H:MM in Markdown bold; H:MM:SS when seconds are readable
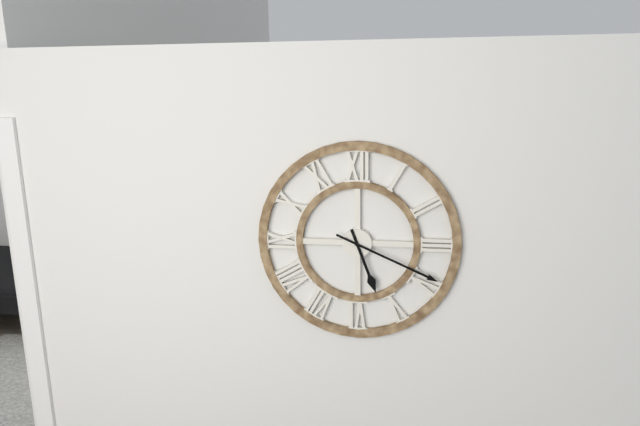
**5:19**
